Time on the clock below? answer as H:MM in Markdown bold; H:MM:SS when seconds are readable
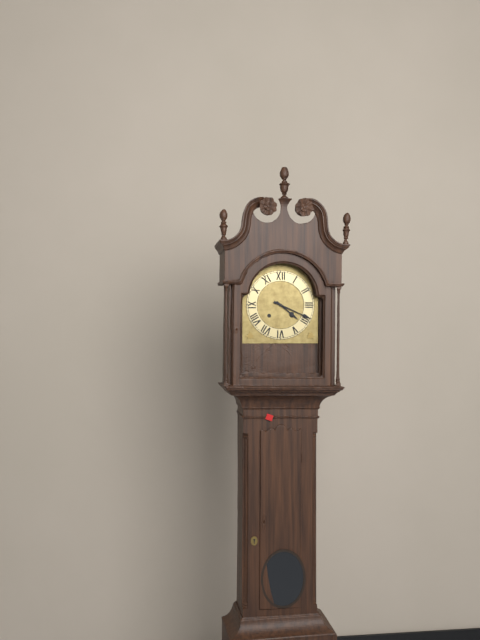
**4:19**
